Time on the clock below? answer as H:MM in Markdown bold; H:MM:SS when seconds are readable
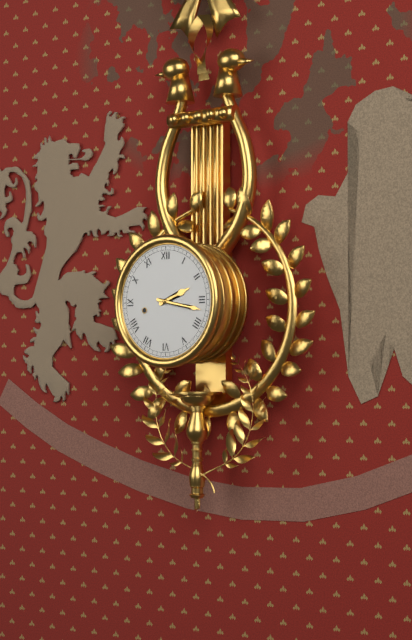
**2:17**
